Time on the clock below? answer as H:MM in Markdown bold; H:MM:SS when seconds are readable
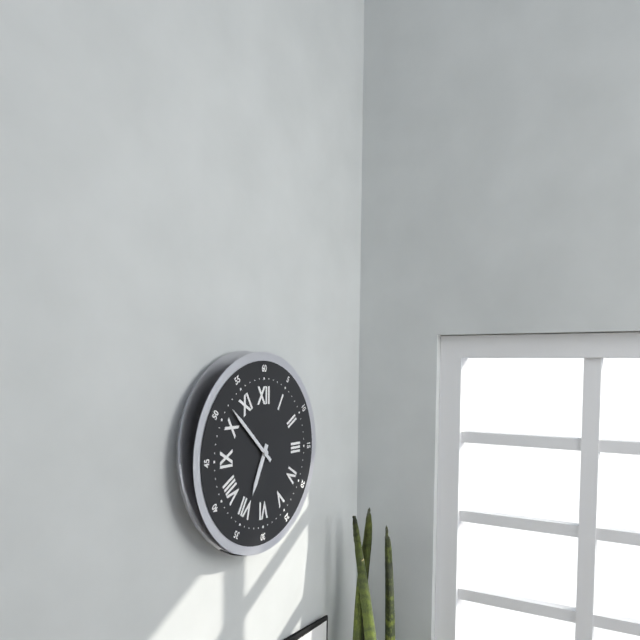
**6:52**
